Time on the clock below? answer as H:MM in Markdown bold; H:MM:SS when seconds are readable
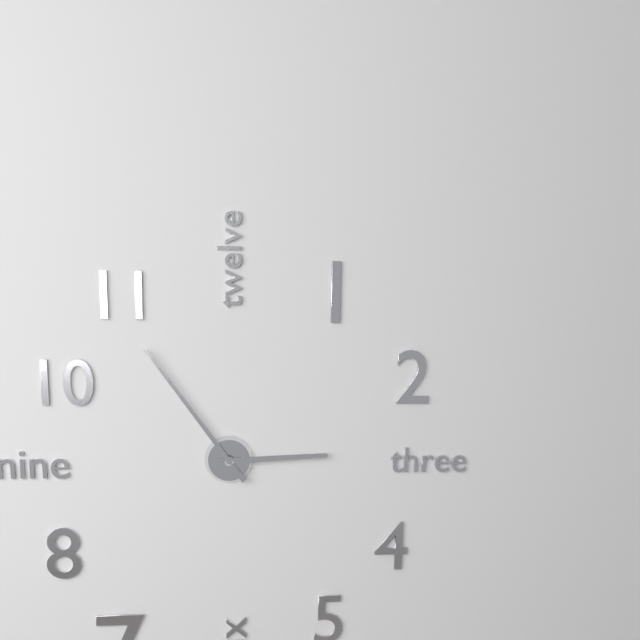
**2:54**
